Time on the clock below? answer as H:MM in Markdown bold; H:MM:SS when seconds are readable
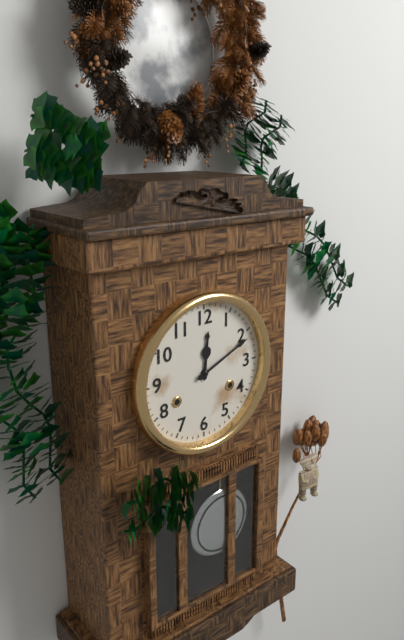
**12:11**
